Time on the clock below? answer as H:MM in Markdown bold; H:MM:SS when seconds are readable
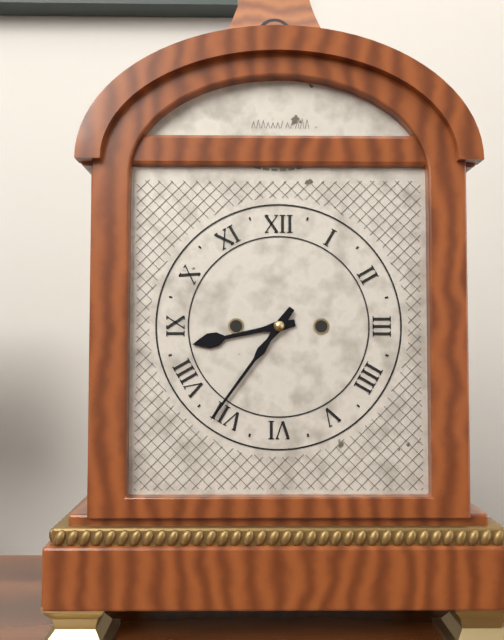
**8:36**
